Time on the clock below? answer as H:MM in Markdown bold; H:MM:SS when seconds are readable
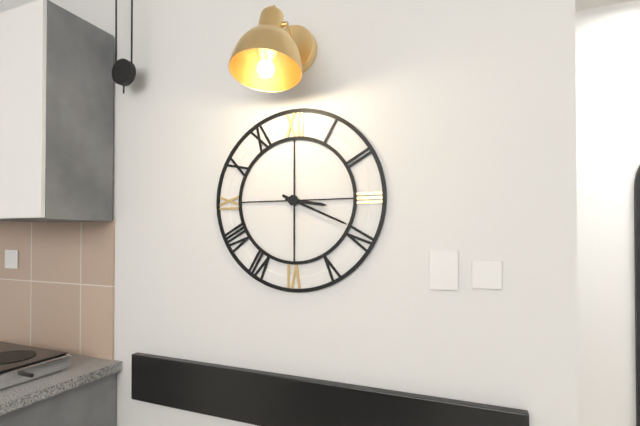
**3:19**
